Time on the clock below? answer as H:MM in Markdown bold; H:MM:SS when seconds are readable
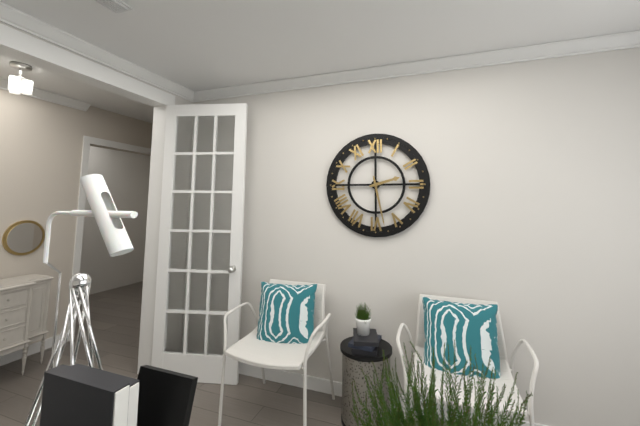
**2:28**
